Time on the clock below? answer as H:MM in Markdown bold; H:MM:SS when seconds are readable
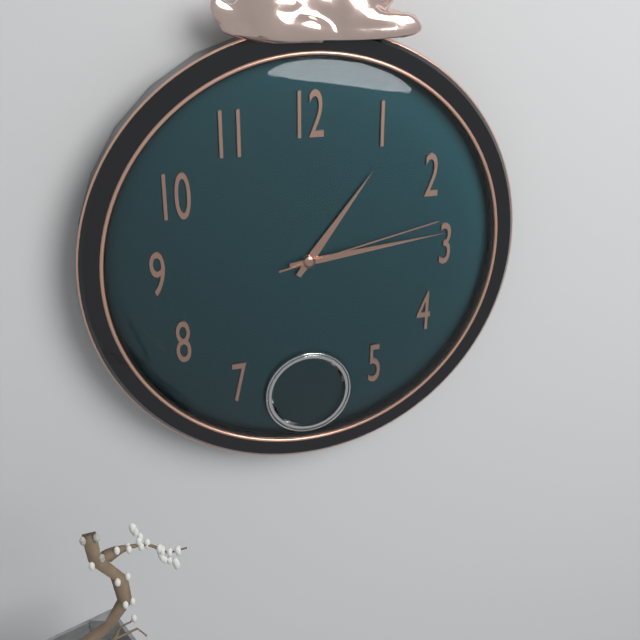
**1:14:13**
